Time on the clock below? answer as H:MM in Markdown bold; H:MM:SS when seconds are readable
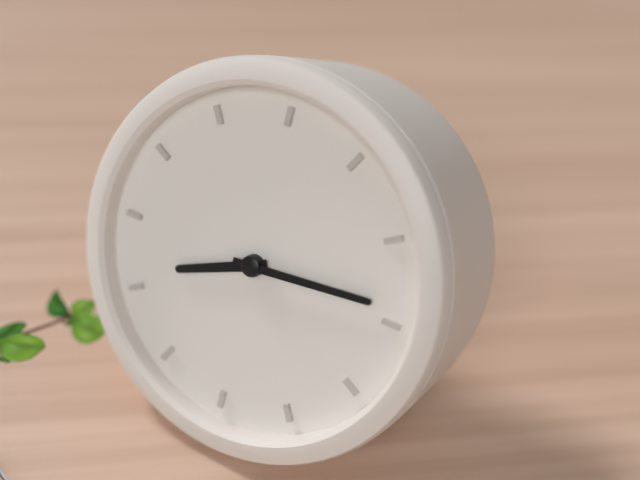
**8:14**
